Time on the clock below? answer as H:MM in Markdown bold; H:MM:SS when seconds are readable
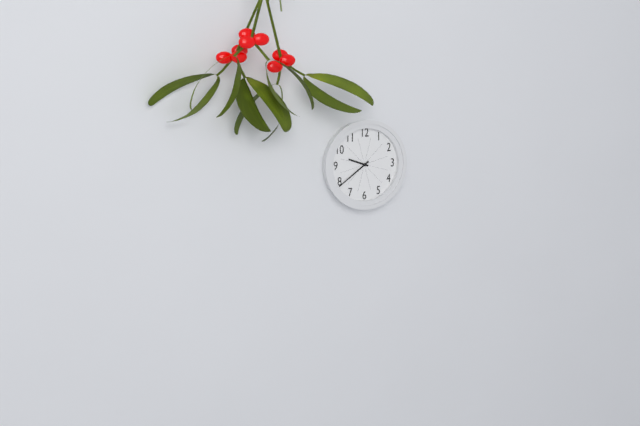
**9:39**
